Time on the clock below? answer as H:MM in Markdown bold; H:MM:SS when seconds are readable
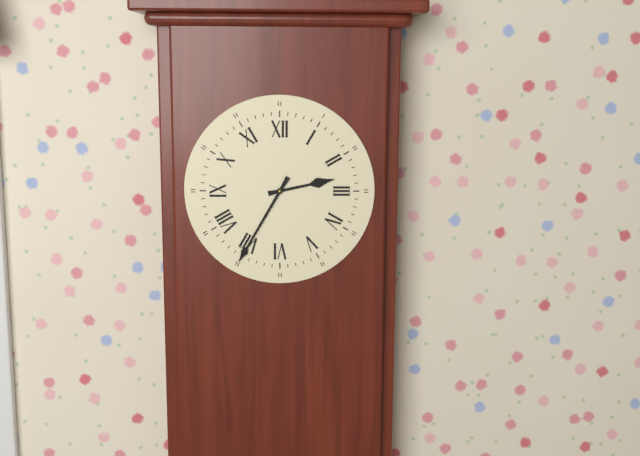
**2:35**
